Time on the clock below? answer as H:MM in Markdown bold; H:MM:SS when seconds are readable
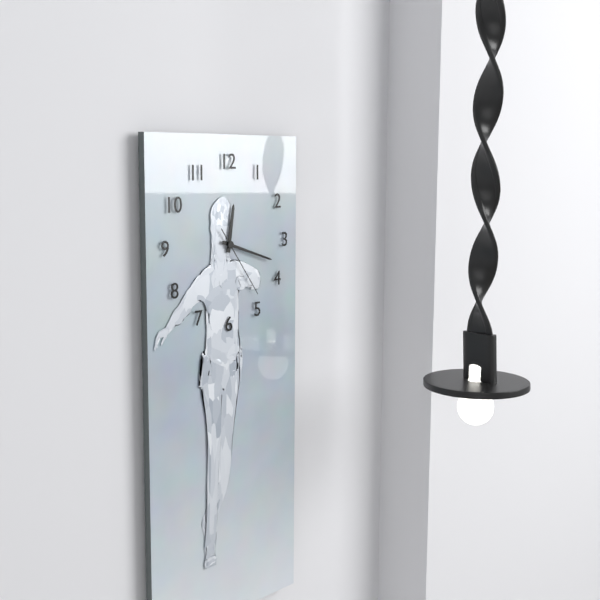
**12:18:24**
